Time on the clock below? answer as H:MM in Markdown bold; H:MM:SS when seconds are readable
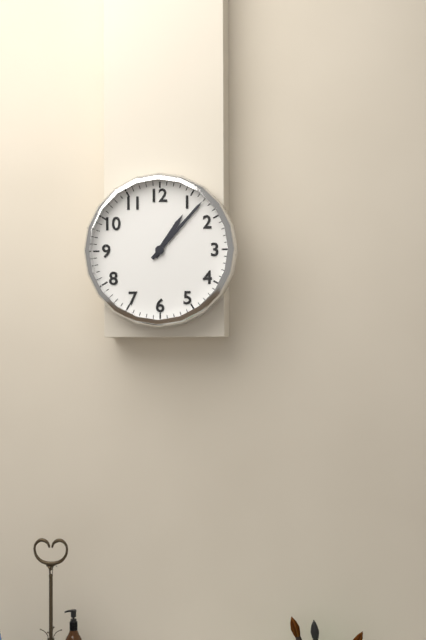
**1:07**
